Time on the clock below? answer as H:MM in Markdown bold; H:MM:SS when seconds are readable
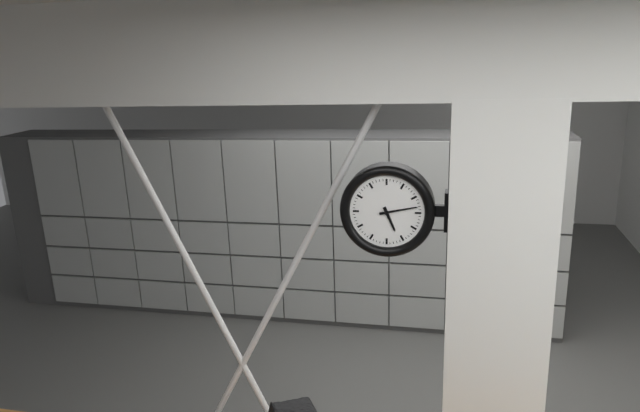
**5:13**
